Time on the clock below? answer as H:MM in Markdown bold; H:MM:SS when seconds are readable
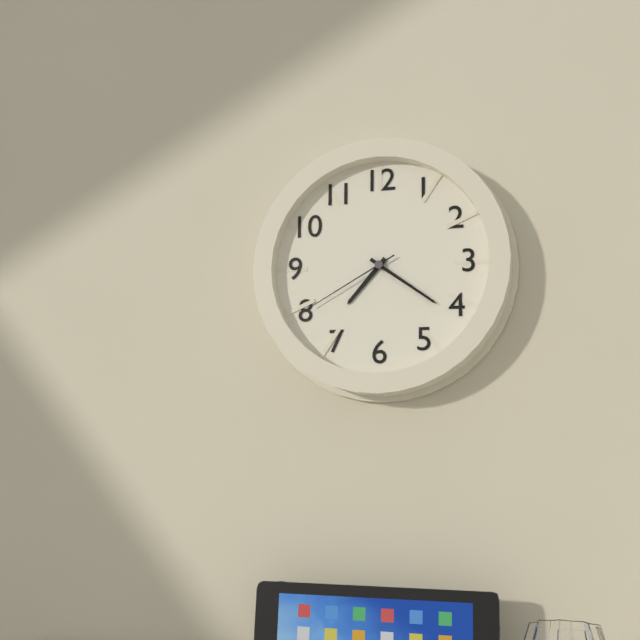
**7:21:40**
